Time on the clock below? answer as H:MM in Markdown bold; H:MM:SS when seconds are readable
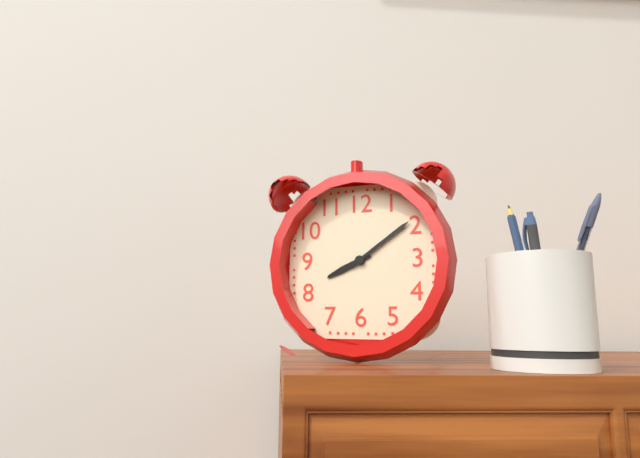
**8:09**
